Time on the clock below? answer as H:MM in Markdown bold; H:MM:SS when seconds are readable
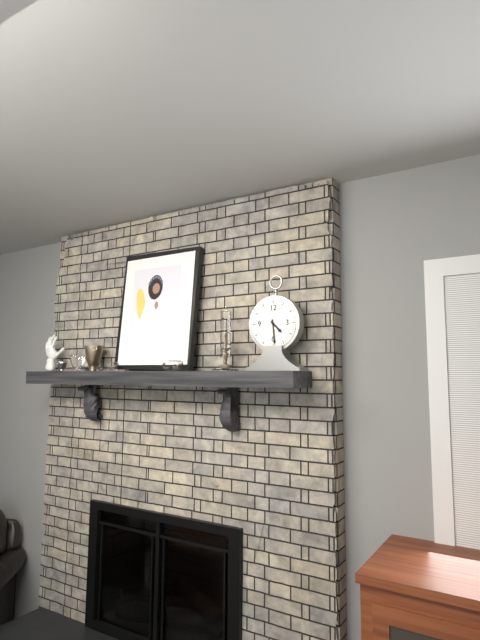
**4:29**
